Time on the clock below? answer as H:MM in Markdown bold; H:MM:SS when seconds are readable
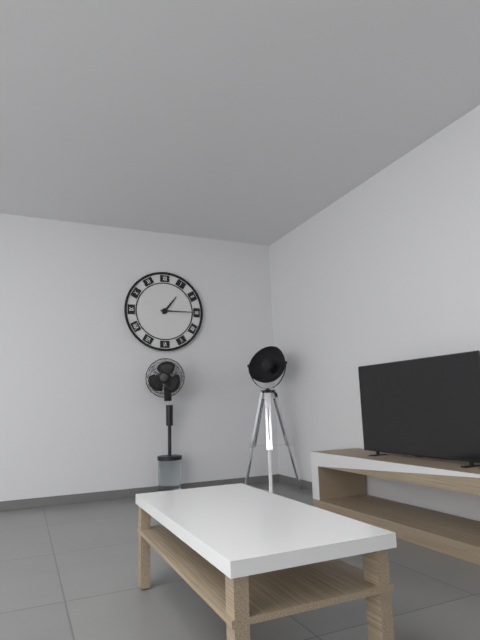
**1:15**
